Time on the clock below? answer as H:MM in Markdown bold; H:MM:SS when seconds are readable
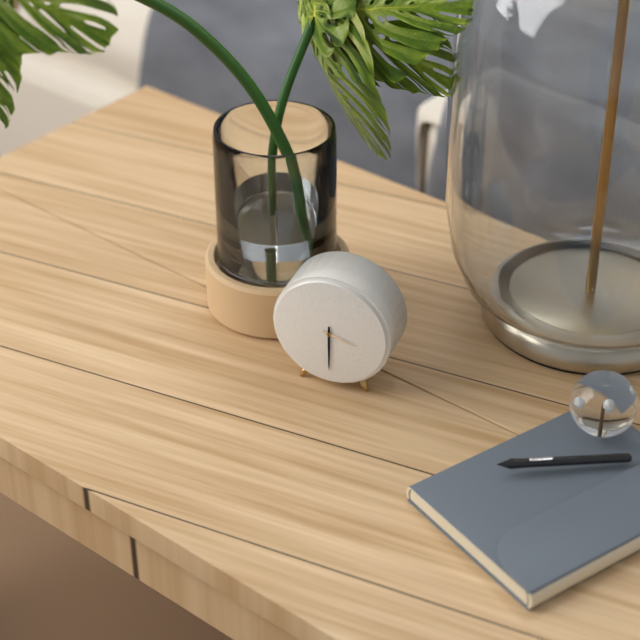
**3:30**
